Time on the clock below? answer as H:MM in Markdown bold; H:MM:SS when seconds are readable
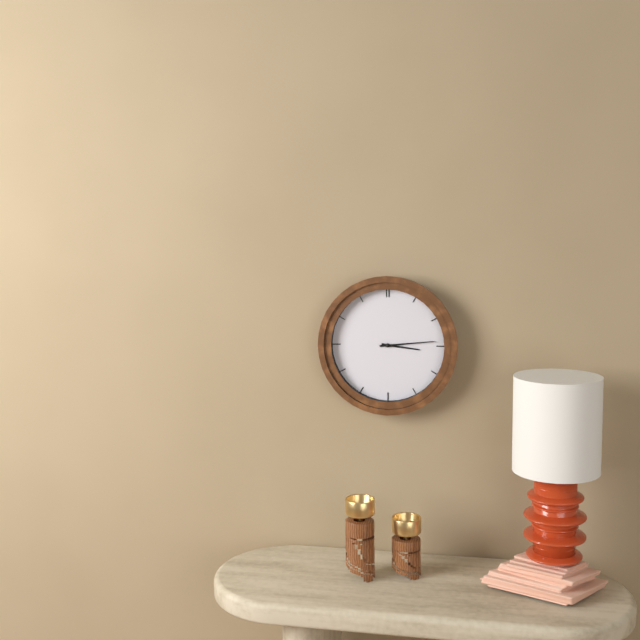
**3:14**
